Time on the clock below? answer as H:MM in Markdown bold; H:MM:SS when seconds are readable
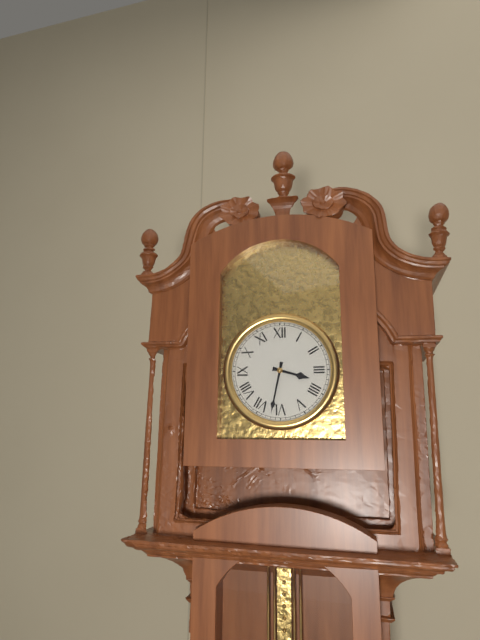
**3:32**
